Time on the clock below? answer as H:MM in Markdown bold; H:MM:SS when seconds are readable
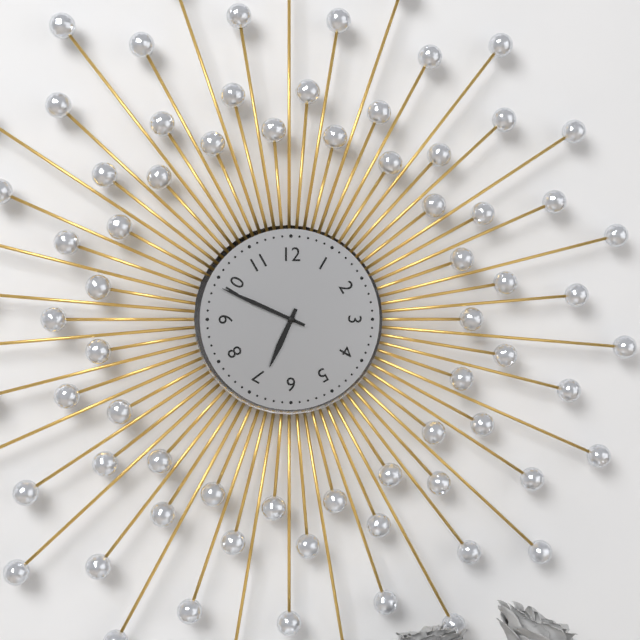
**6:49**
